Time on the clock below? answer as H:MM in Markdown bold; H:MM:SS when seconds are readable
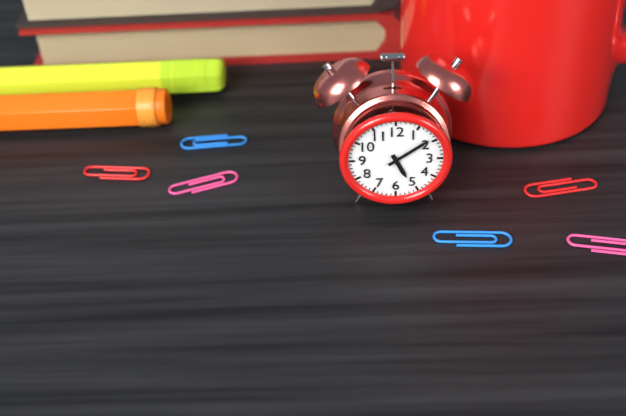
**5:09**
